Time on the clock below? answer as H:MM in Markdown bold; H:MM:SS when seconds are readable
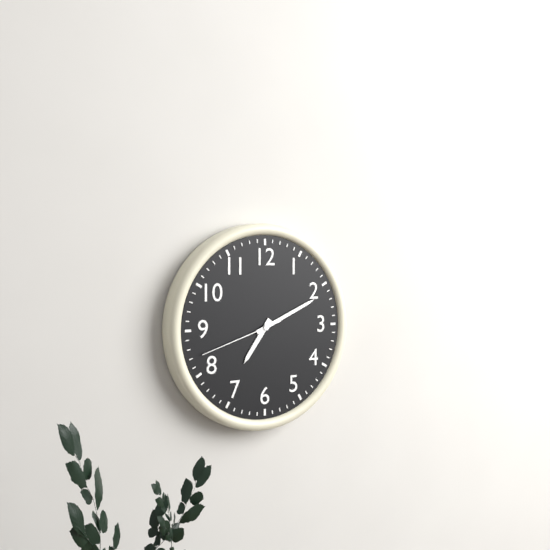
**7:11:42**
